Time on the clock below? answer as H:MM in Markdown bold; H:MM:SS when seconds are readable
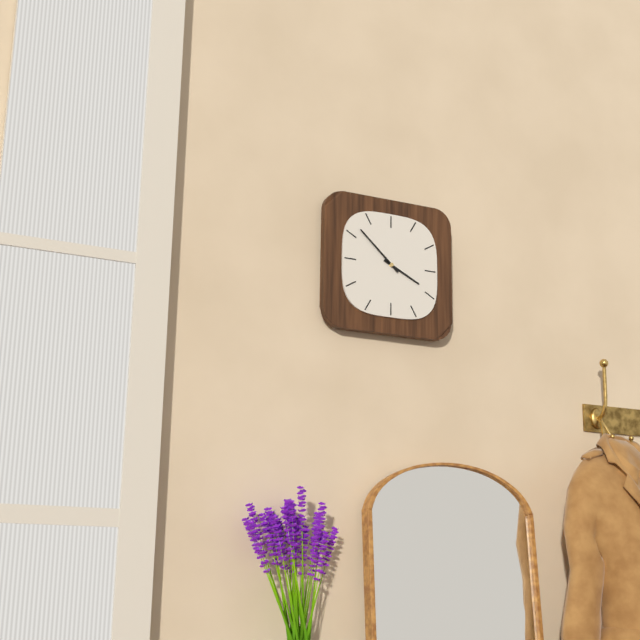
**3:52**
